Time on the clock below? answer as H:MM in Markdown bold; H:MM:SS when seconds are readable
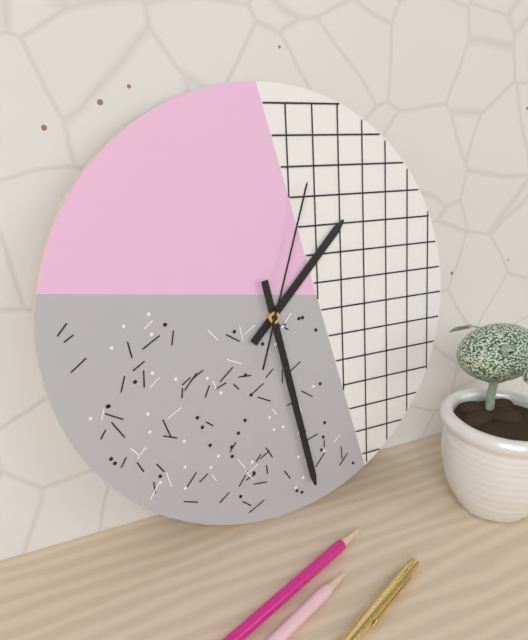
**1:28:03**
